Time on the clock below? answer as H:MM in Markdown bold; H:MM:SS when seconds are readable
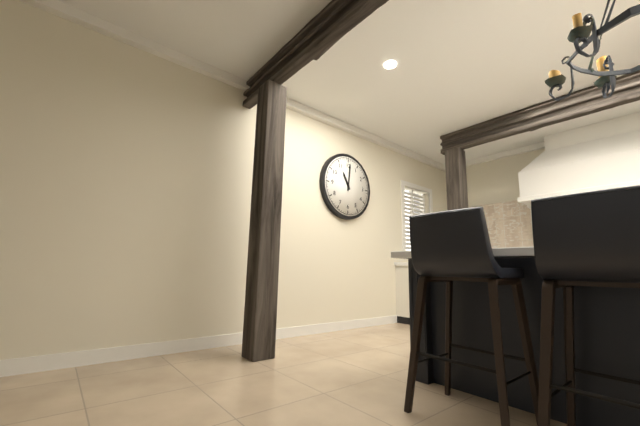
**11:01**
